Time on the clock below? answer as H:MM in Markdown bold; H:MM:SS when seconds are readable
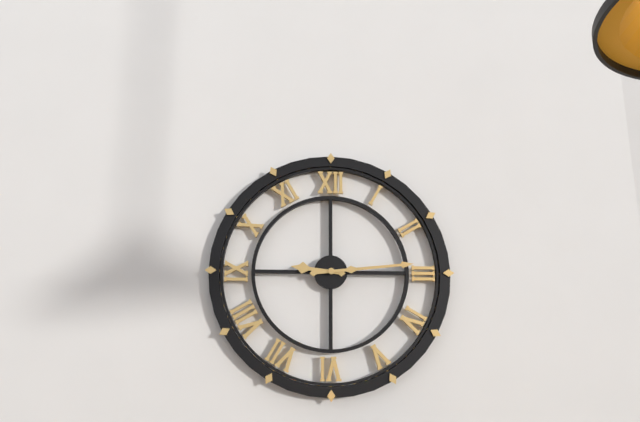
**9:14**
